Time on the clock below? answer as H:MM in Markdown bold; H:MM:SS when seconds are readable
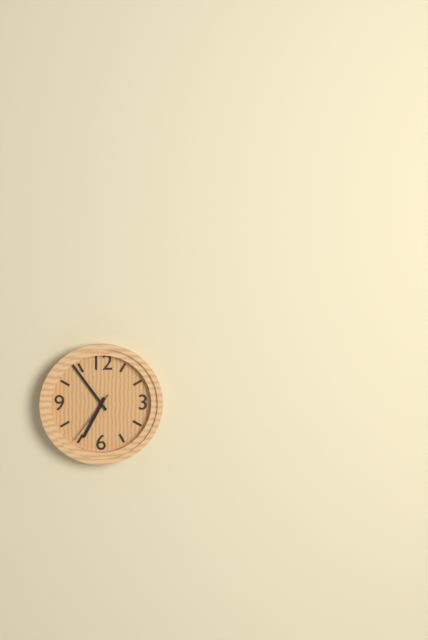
**6:54:36**
